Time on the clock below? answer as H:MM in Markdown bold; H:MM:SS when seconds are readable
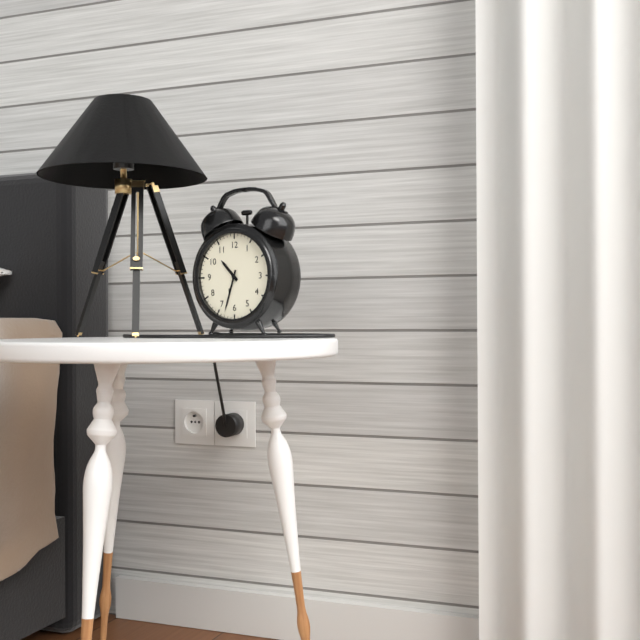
**10:33**
